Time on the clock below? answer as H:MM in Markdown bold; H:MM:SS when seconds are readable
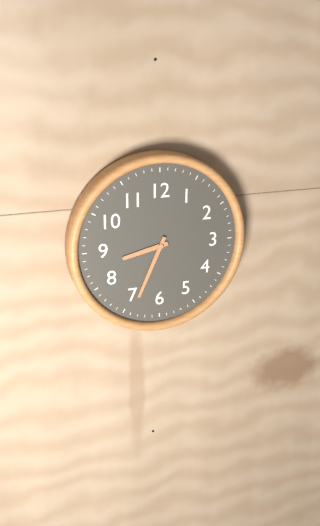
**8:34**
